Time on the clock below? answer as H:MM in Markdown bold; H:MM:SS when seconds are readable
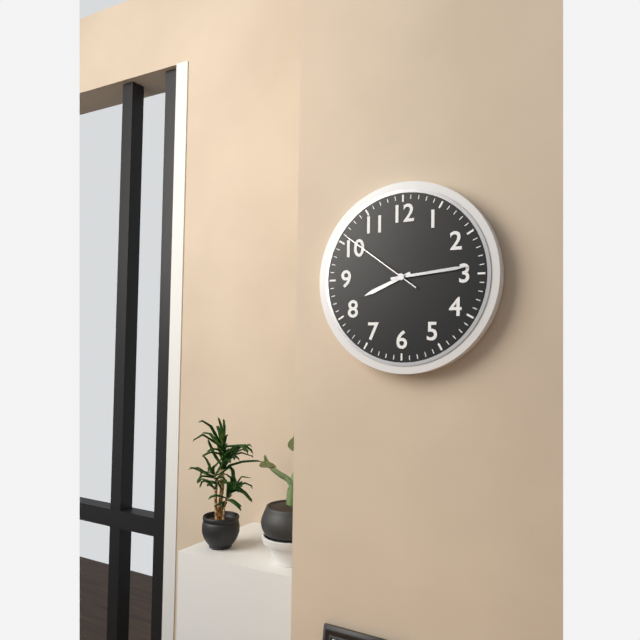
**8:14:51**
